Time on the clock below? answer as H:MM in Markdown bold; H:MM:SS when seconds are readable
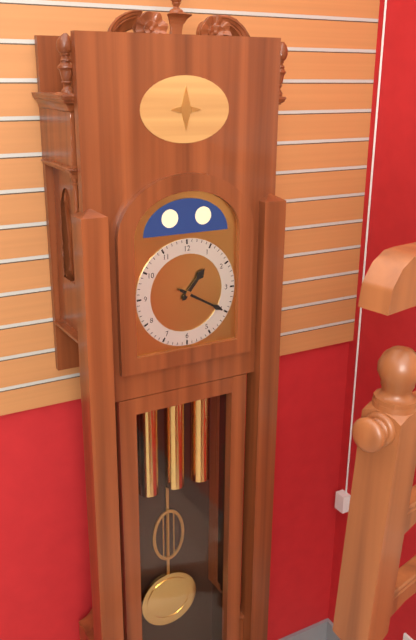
**1:20**
